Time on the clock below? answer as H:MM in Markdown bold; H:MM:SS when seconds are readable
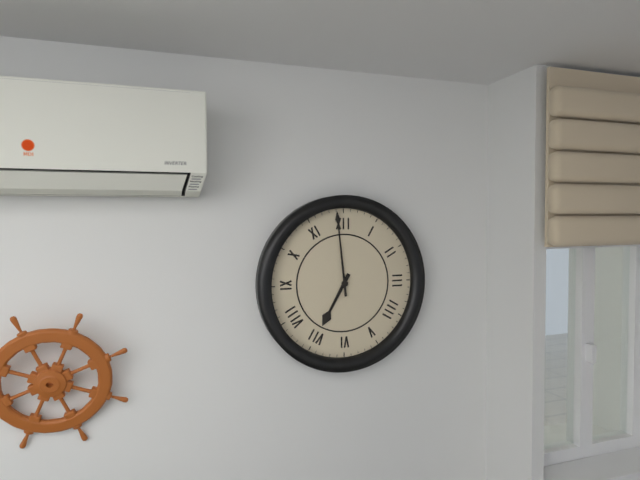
**6:59**
